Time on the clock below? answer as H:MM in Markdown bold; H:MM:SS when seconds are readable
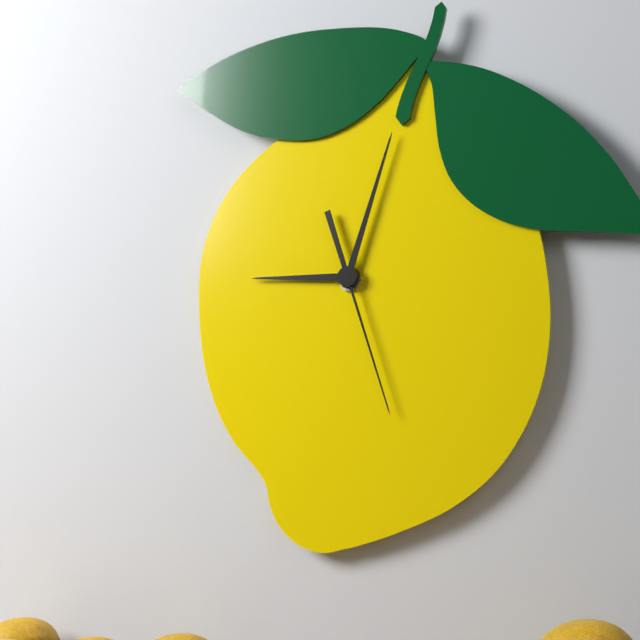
**9:03:27**
